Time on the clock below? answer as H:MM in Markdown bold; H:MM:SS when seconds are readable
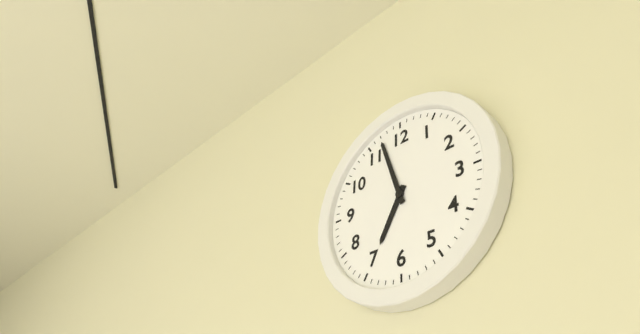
**6:57**
